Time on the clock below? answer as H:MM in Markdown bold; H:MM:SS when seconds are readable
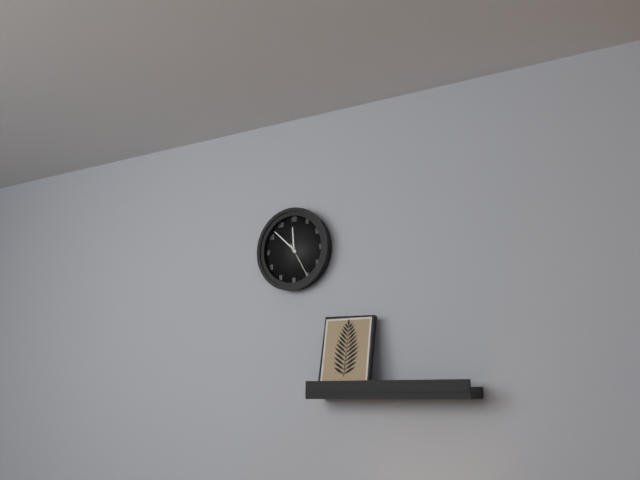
**11:52**
